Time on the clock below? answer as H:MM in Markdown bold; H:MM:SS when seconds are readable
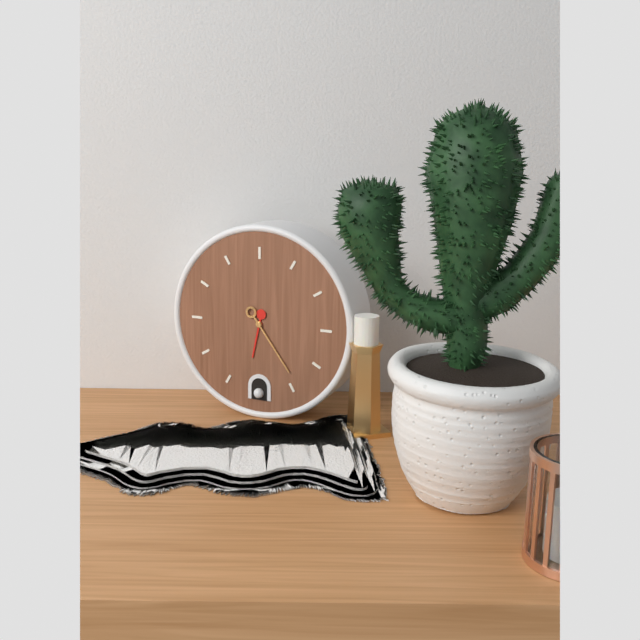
**6:24**
